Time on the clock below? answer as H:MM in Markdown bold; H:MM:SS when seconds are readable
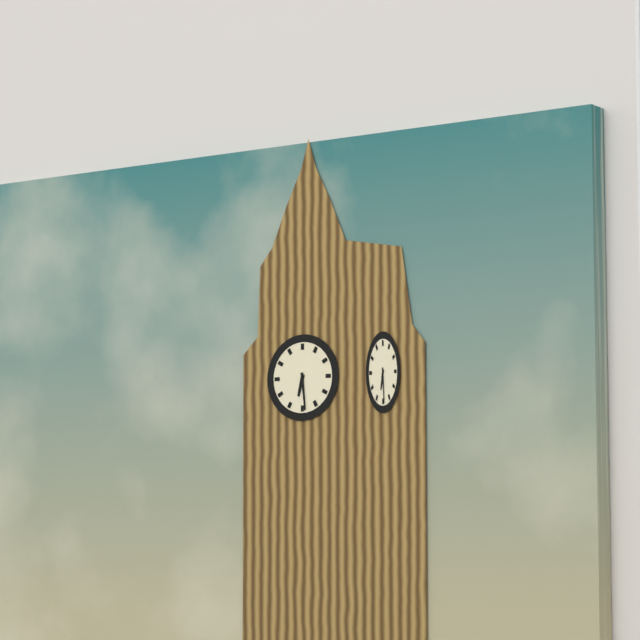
**6:29**
